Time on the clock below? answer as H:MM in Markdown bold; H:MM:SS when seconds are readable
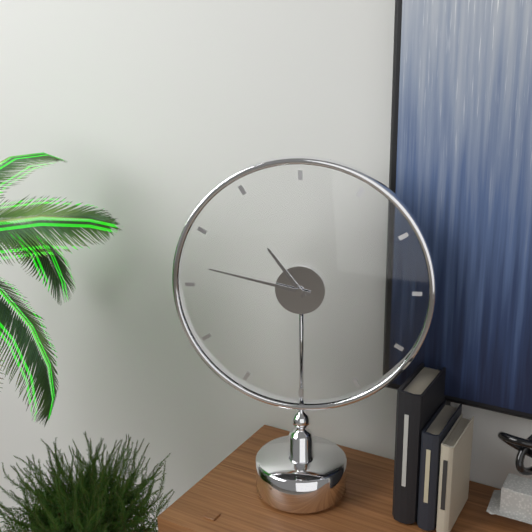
**10:47**
